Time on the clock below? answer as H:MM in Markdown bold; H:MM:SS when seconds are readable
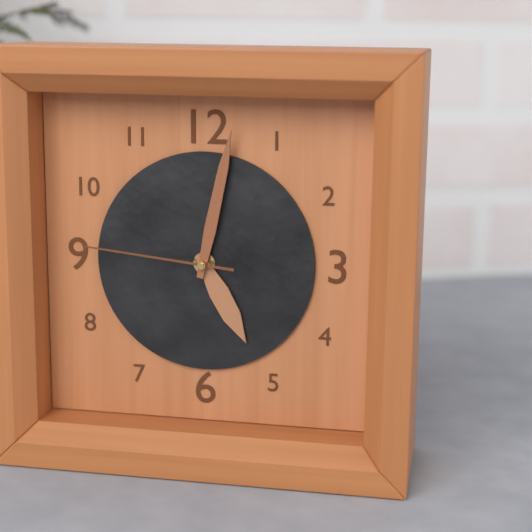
**5:02:46**
